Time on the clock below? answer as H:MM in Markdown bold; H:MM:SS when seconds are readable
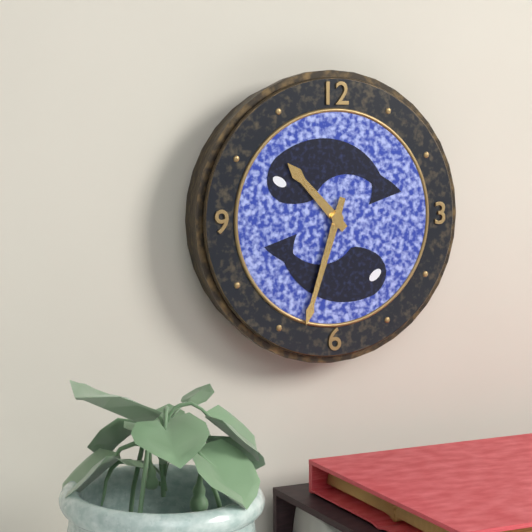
**10:33**
